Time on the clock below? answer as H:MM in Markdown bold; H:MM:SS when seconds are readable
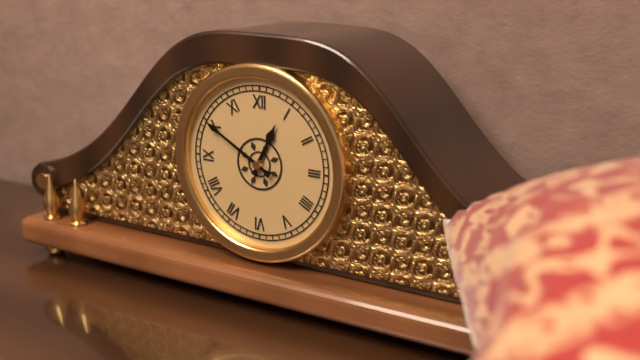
**12:50**
